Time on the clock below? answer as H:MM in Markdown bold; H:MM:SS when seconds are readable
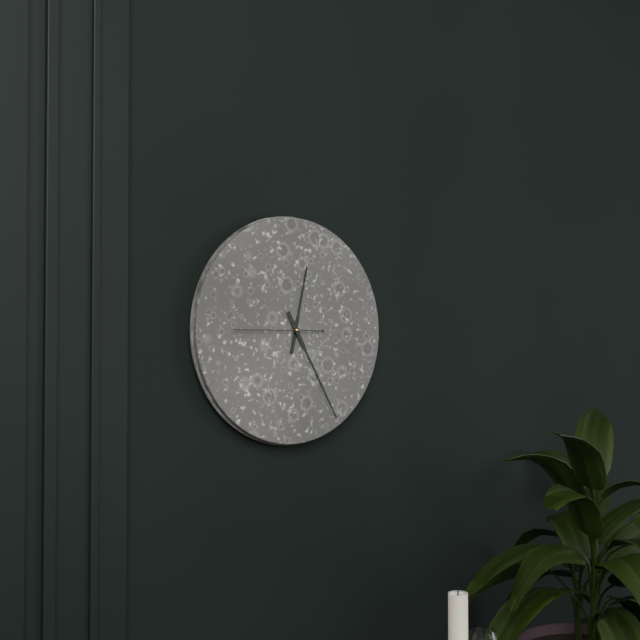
**12:25:45**
